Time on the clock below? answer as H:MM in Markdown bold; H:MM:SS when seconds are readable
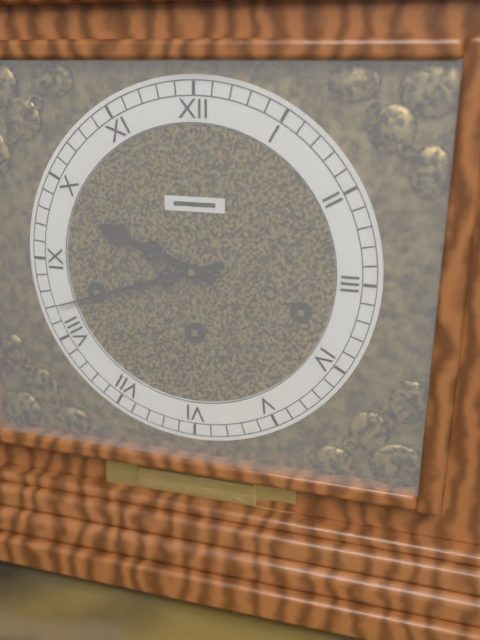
**9:42**
